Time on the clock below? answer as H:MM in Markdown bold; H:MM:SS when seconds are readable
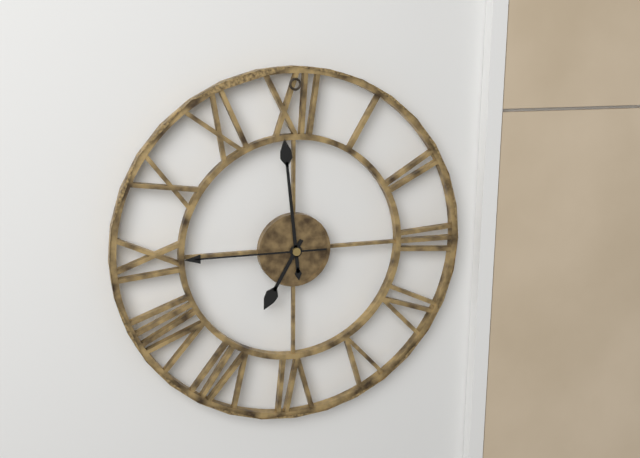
**6:59:45**
